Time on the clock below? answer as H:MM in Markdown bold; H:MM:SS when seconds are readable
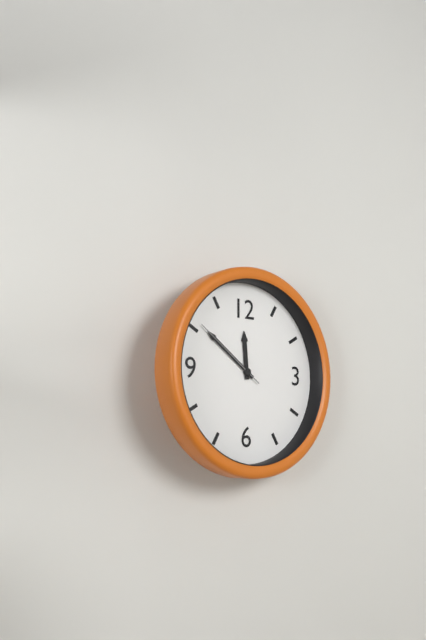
**11:51:51**
